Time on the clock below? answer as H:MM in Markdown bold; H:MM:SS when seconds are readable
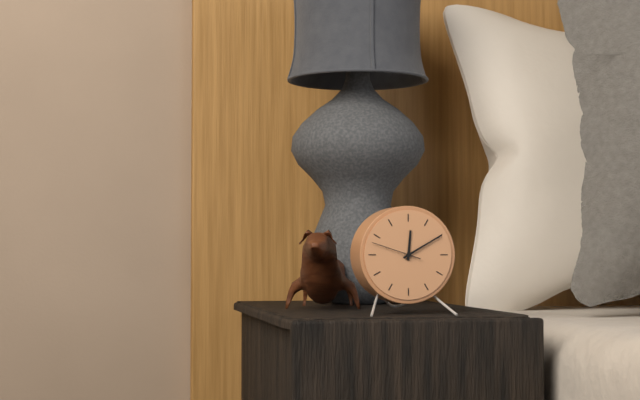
**12:10**
